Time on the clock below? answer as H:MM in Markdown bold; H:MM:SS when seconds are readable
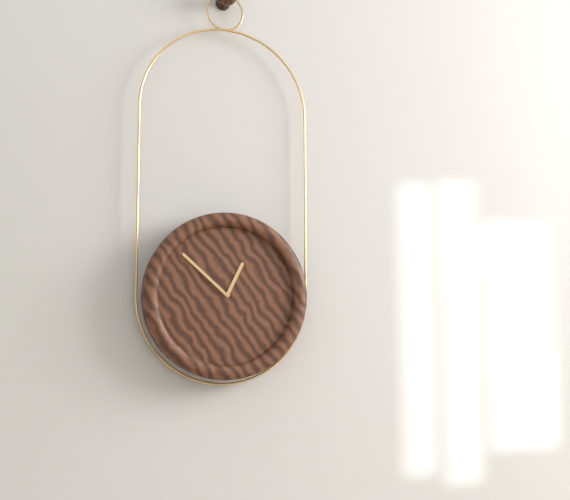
**12:52**
